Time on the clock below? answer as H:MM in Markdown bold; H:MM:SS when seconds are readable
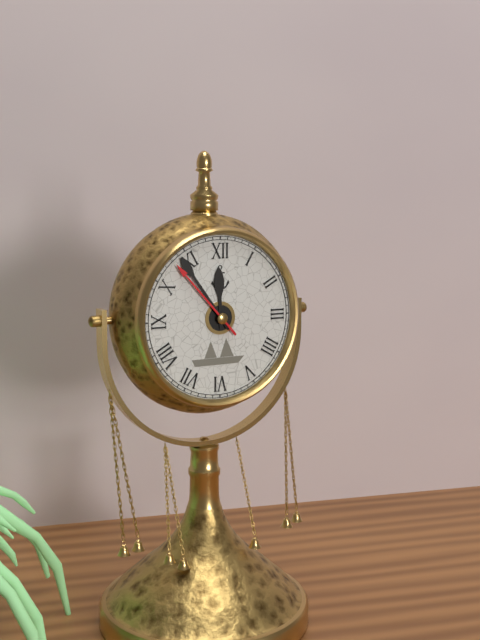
**11:54:53**
